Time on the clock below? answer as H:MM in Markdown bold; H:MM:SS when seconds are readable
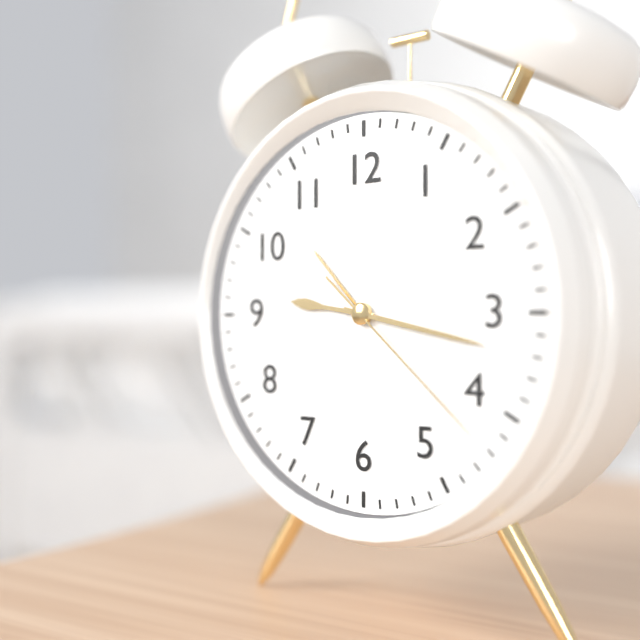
**9:17:22**
